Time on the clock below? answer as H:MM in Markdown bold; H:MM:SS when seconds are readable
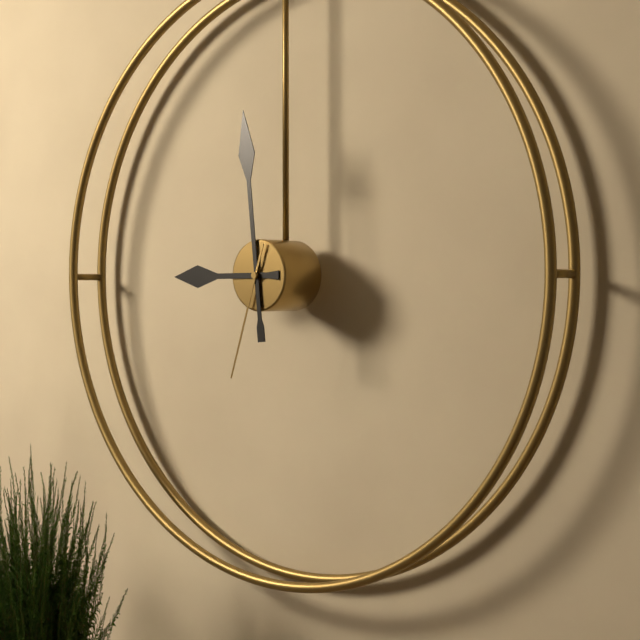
**8:59:33**
